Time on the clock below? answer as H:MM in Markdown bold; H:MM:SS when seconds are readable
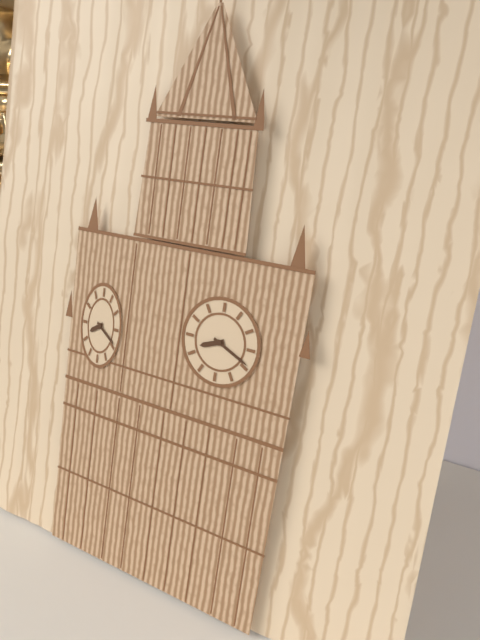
**8:19**
